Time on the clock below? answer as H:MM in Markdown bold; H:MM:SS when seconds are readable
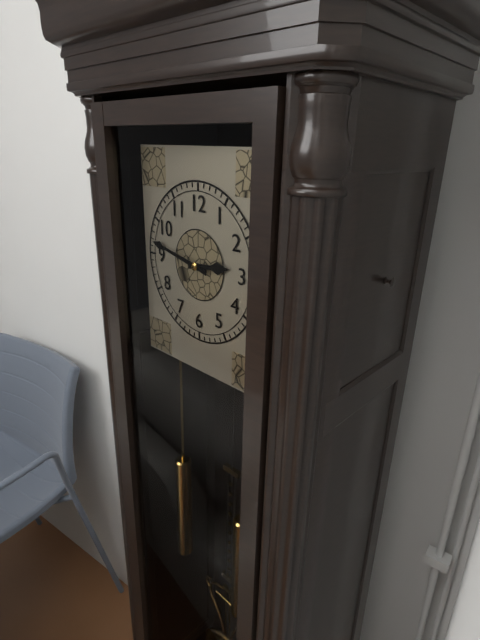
**2:47**
